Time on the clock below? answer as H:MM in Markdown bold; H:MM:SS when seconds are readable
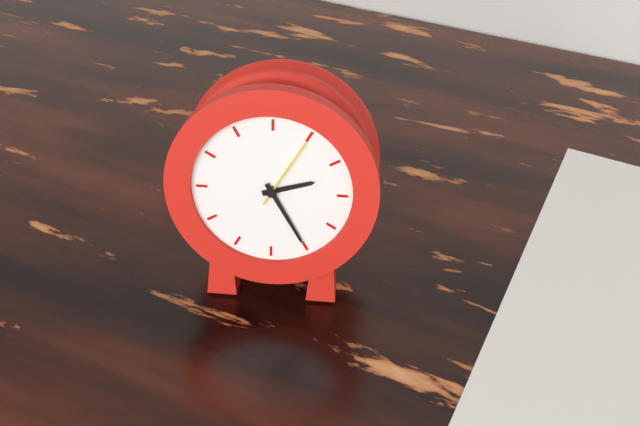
**2:25:05**
